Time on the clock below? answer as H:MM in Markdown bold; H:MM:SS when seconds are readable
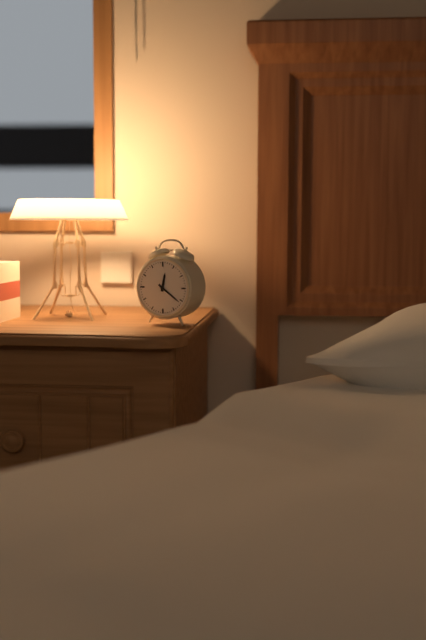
**12:21**
